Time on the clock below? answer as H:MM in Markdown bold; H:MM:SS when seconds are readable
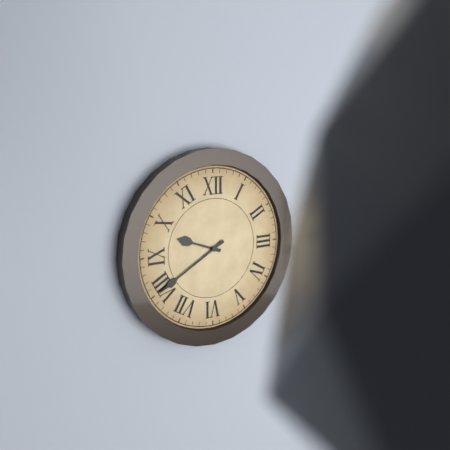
**9:40**
